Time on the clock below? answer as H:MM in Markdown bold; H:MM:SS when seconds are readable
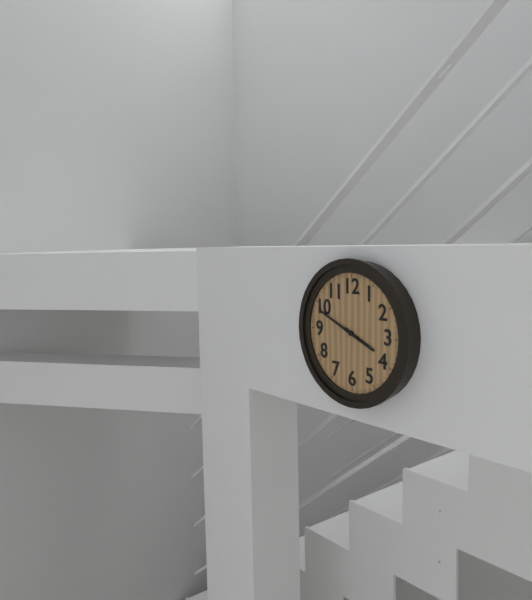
**3:49**
